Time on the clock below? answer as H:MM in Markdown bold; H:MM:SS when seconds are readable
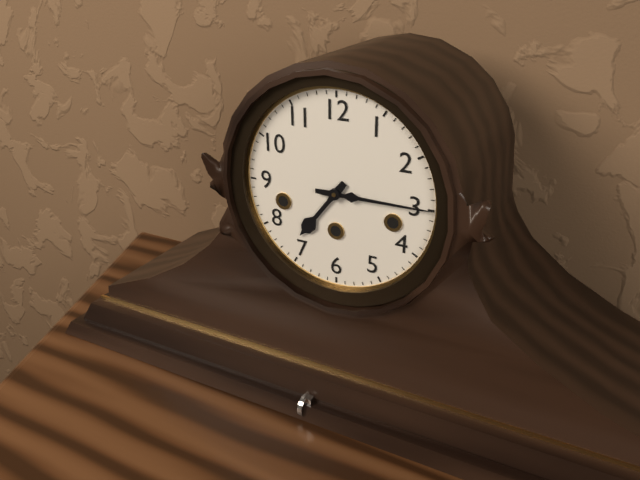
**7:15**
